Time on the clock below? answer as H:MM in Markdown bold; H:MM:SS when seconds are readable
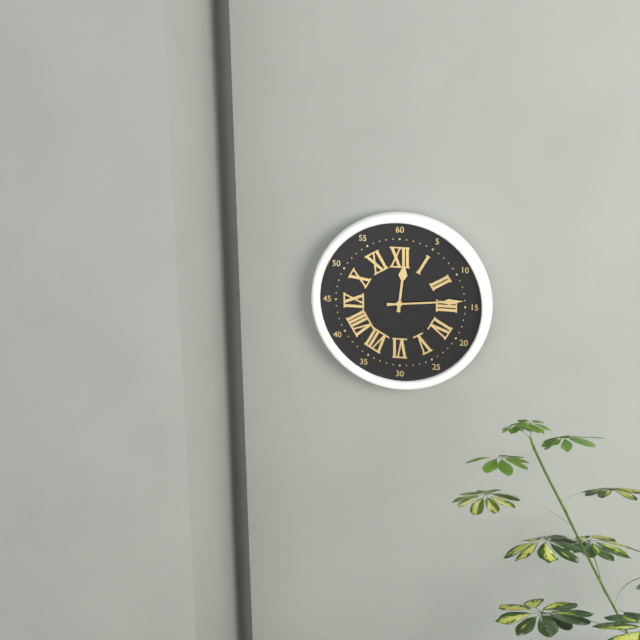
**12:14**
